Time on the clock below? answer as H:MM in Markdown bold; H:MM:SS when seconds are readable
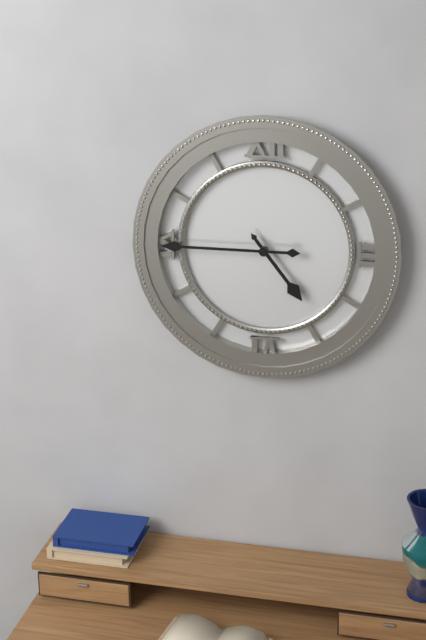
**4:45**
